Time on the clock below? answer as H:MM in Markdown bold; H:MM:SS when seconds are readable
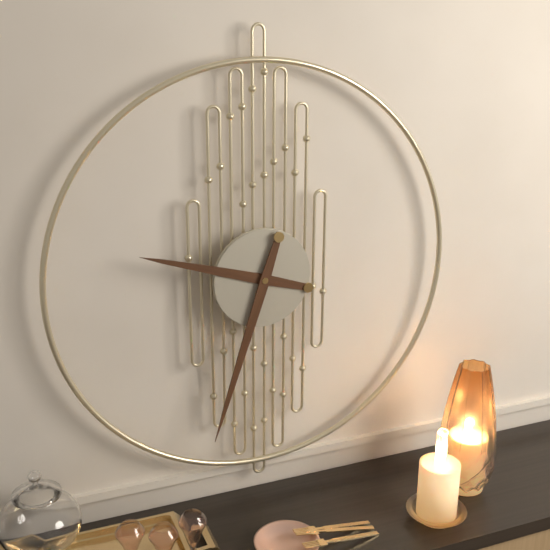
**9:33**
